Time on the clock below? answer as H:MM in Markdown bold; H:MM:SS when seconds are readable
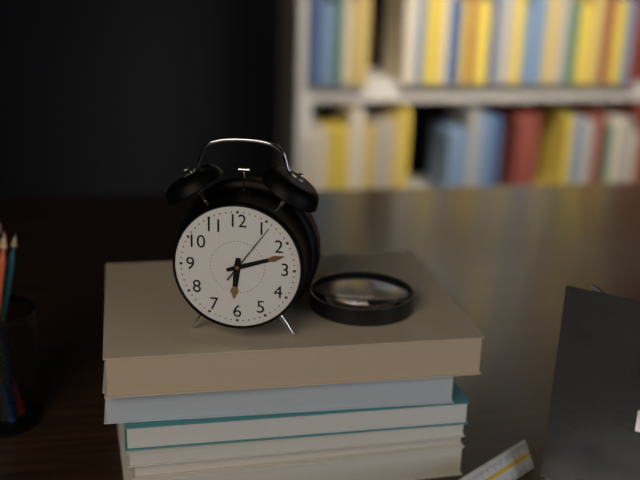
**6:12:06**
